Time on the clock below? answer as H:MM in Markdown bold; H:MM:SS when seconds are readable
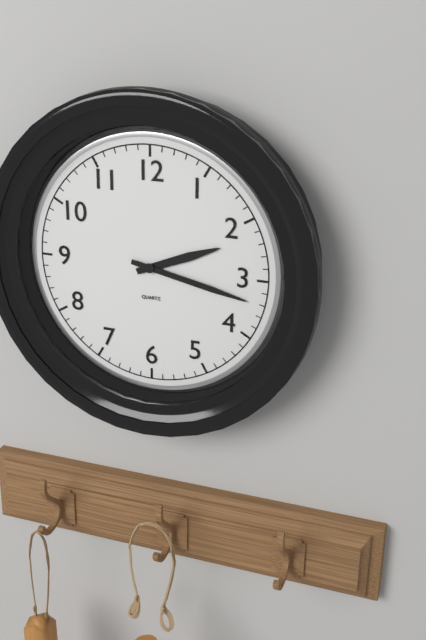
**2:17**
